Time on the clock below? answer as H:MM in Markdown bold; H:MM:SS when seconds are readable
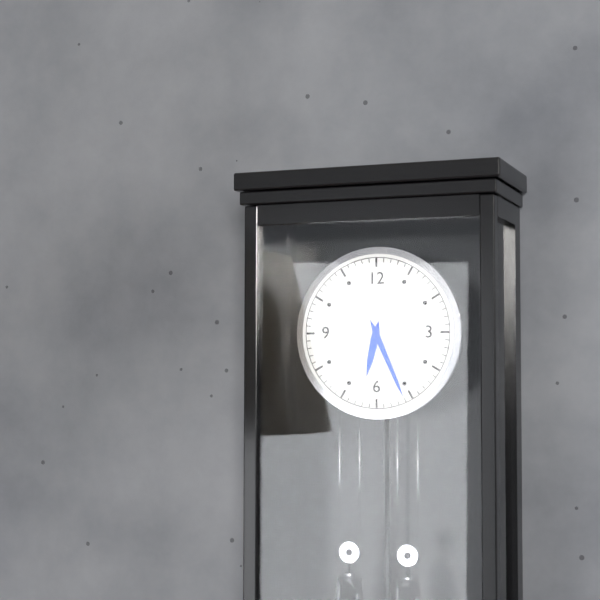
**6:26**
